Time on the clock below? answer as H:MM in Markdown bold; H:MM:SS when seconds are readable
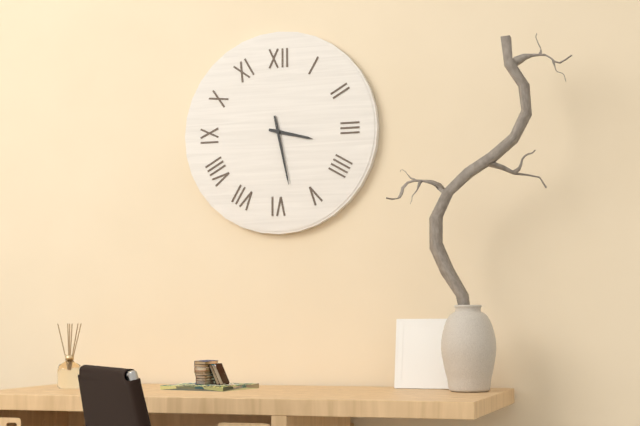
**3:28**
